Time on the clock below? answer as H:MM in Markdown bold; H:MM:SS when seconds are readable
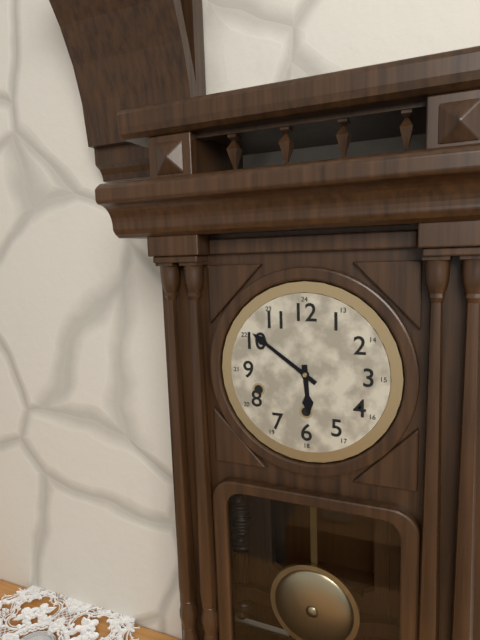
**5:51**
